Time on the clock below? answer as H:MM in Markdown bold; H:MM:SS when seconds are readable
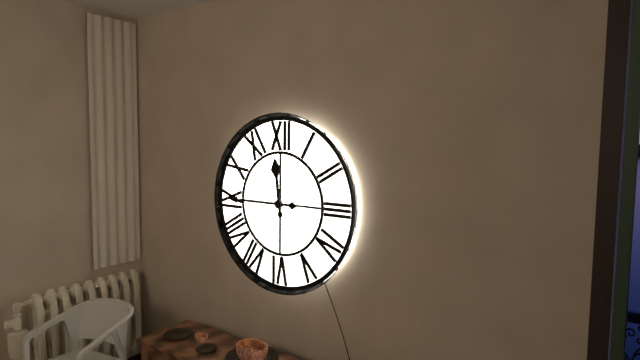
**11:45**
